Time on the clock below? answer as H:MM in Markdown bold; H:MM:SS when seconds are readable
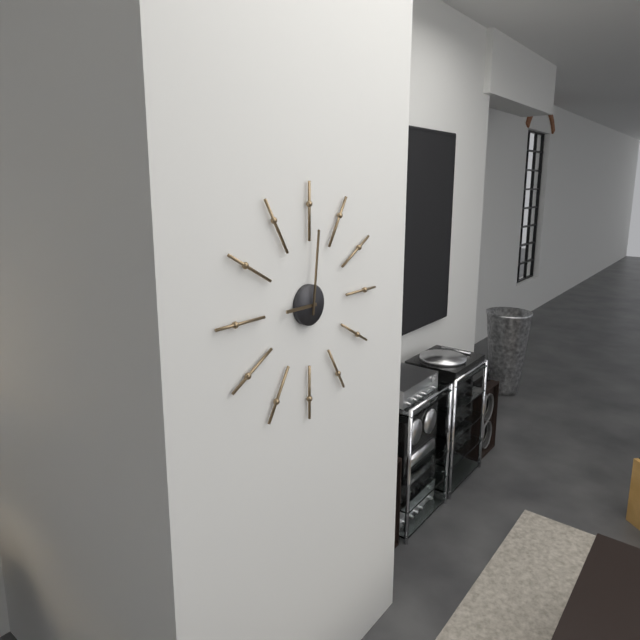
**9:01**
